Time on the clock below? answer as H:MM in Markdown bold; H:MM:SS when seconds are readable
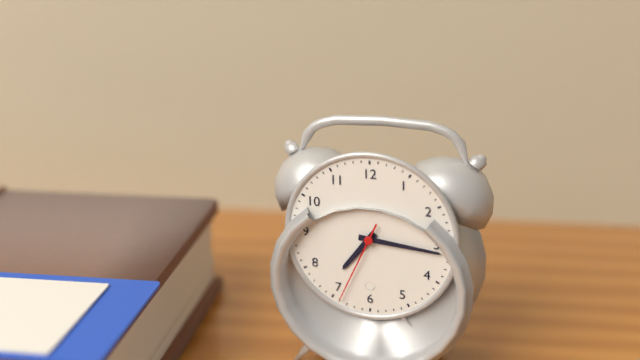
**7:16:34**
